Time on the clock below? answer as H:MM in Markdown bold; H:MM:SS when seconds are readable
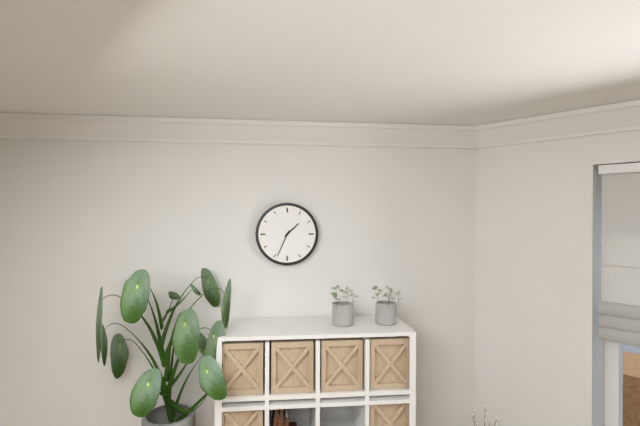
**1:34**
